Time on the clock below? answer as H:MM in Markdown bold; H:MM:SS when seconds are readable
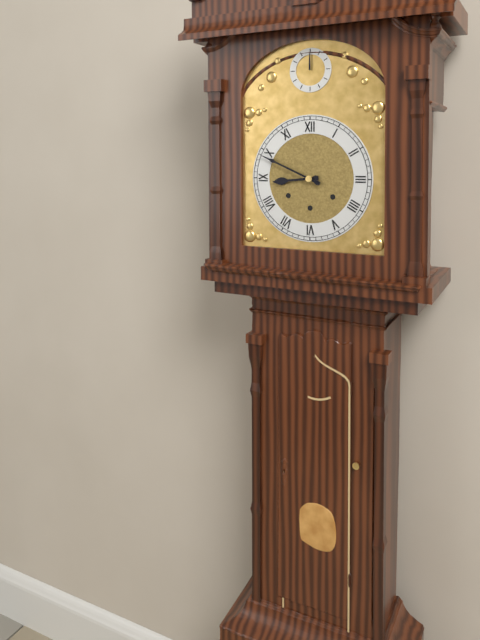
**8:49**
